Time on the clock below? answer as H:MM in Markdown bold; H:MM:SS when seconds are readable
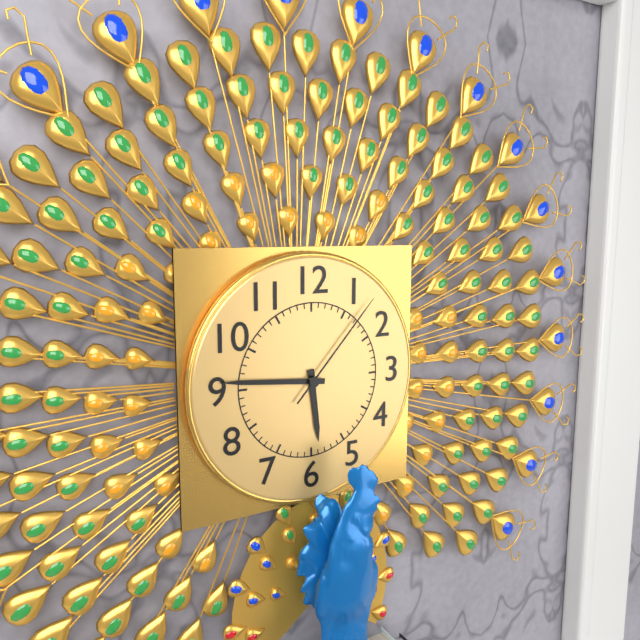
**5:46:07**
